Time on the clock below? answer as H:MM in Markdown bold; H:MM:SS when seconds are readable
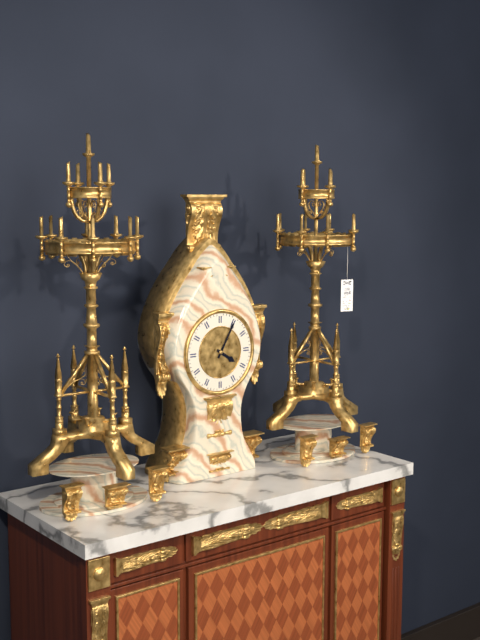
**4:05**
